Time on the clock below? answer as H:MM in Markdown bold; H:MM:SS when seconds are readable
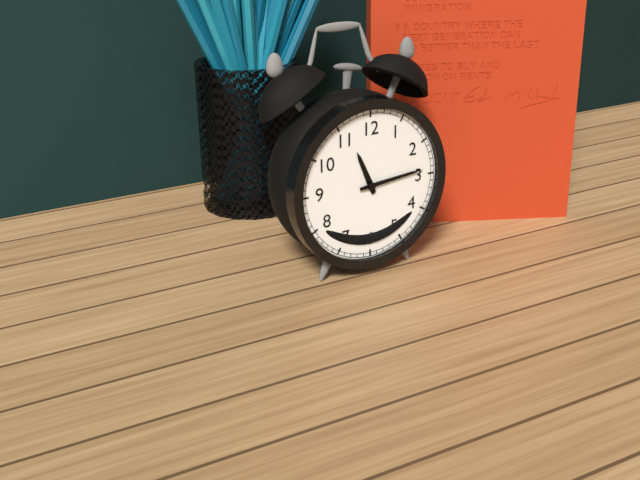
**11:14**
